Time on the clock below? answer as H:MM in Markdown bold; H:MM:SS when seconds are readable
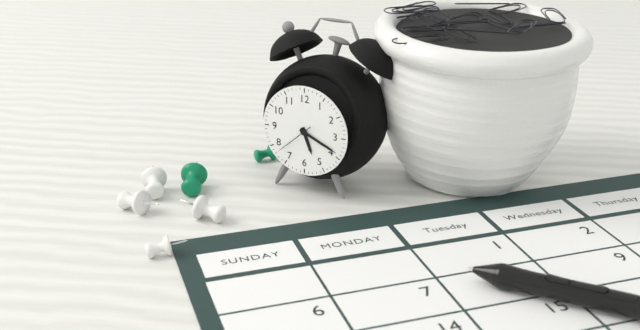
**5:19**
